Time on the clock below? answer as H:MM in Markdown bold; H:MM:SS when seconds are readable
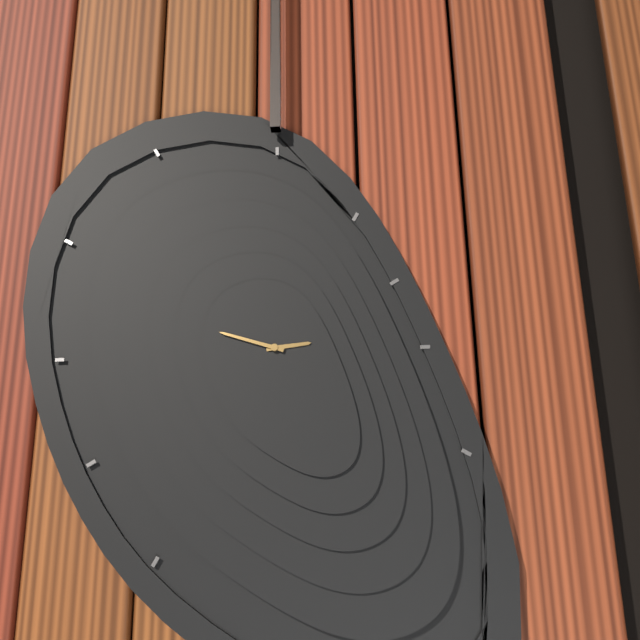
**2:48**
